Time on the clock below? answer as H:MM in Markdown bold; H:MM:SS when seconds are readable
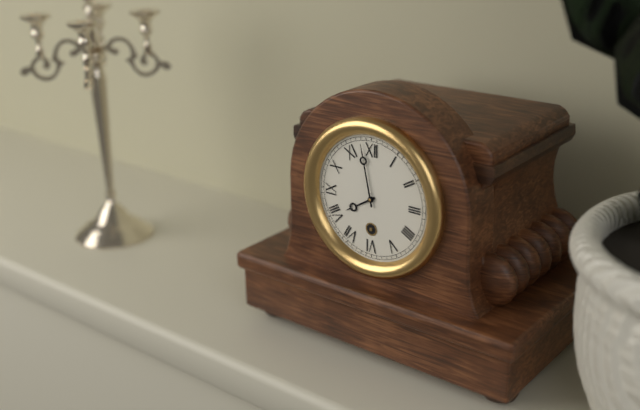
**7:58**
